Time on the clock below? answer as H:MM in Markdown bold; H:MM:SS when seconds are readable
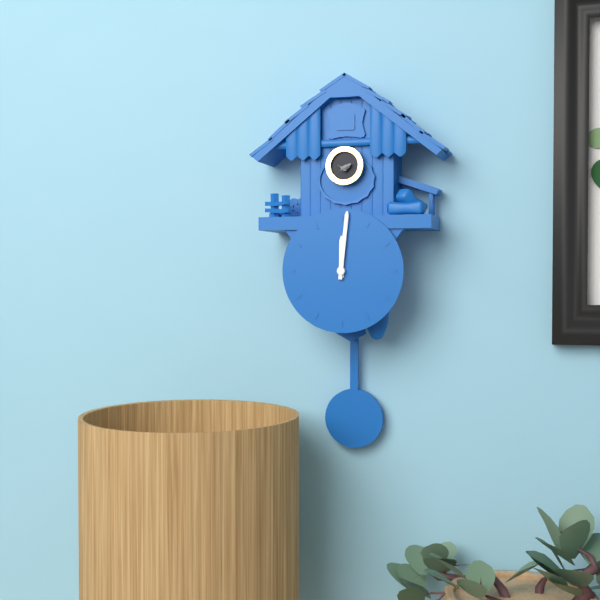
**12:01**
